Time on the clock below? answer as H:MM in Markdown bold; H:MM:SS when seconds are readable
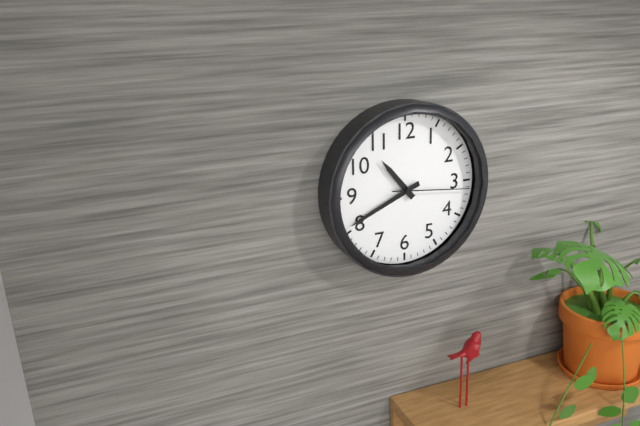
**10:41:16**
